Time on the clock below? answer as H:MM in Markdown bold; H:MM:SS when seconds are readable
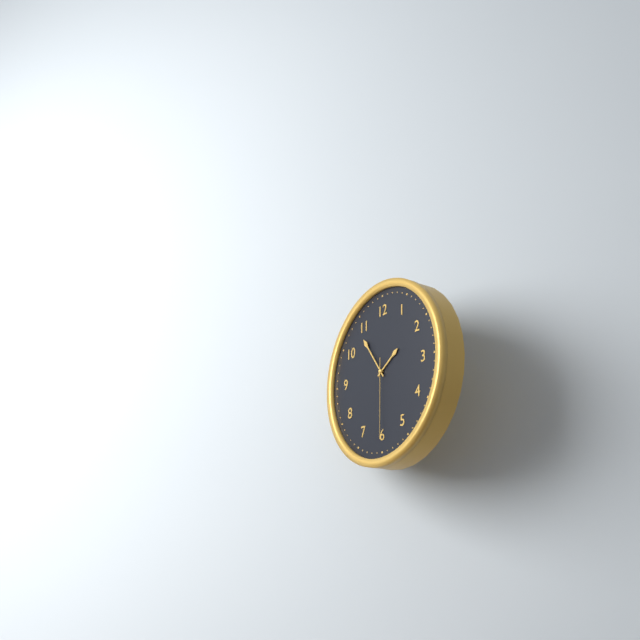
**1:54:30**
